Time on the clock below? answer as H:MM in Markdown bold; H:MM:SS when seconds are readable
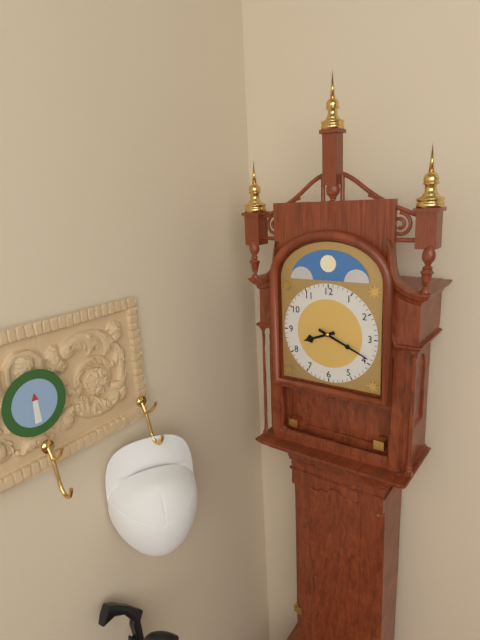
**8:19**
